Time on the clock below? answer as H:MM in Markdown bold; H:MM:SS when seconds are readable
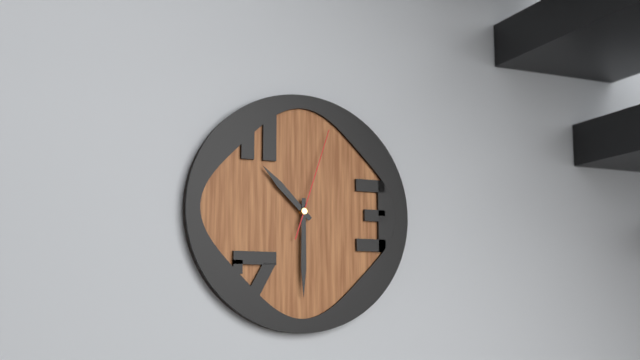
**10:30:03**
